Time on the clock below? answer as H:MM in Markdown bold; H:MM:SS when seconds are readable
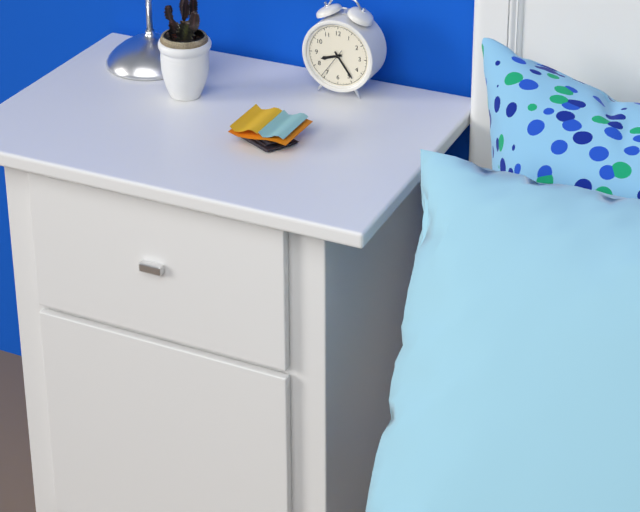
**8:24**
